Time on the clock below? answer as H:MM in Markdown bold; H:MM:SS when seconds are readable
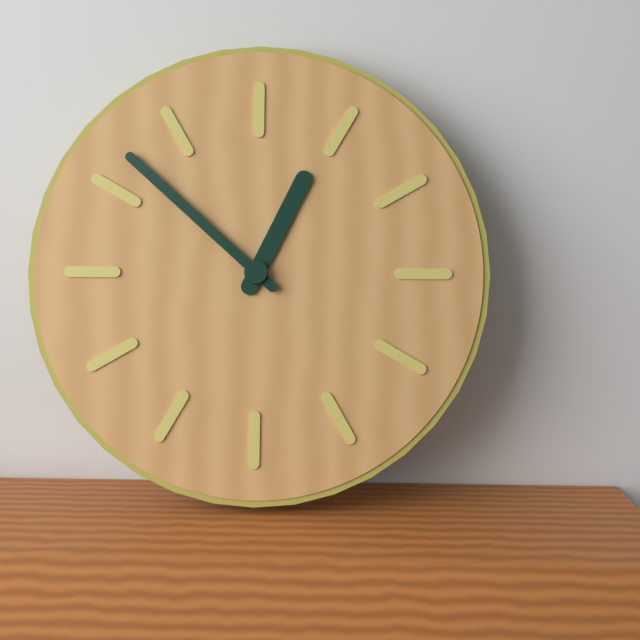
**12:52**
